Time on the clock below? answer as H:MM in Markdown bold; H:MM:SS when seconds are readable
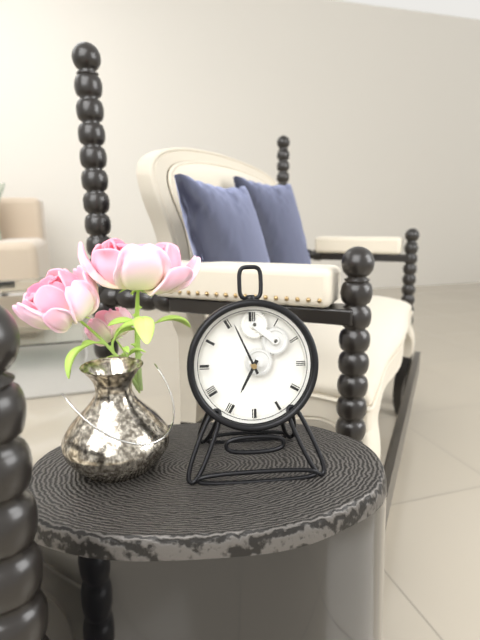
**6:56**
